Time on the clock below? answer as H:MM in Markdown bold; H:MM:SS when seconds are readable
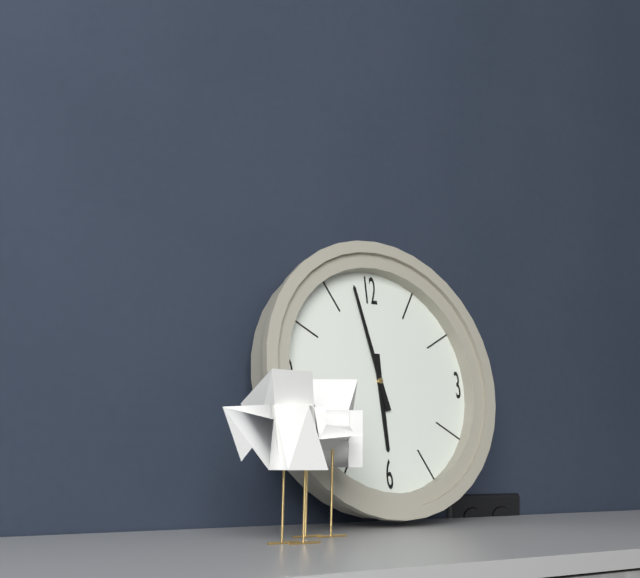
**5:58**
